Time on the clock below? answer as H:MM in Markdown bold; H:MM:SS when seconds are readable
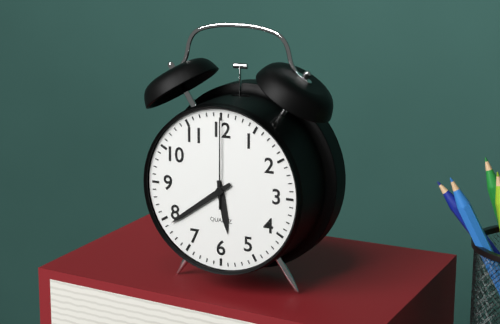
**5:39:00**
